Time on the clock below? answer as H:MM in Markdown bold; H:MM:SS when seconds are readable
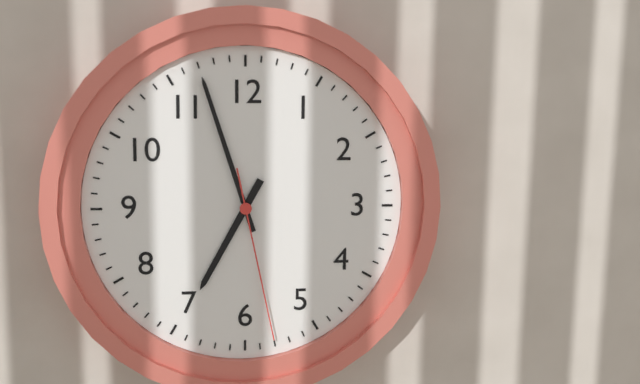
**6:57:28**
